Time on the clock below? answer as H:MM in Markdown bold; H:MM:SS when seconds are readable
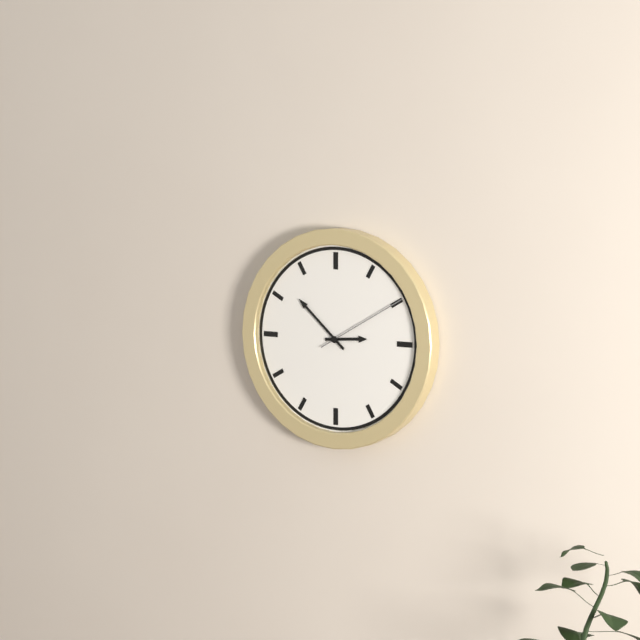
**2:52:10**
